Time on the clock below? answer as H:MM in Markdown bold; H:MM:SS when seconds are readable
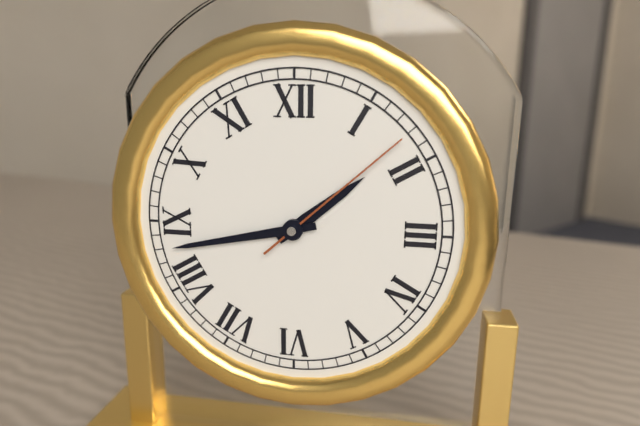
**1:43:08**
